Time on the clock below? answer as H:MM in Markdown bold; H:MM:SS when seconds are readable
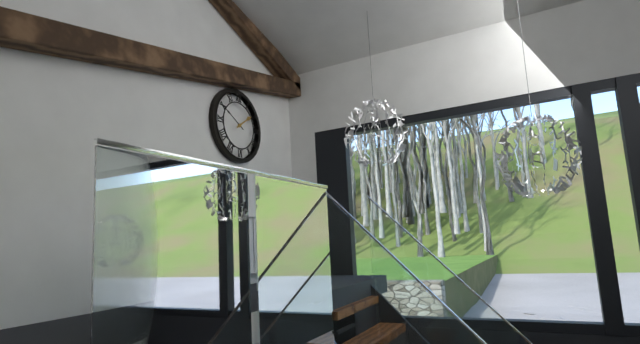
**1:50**
